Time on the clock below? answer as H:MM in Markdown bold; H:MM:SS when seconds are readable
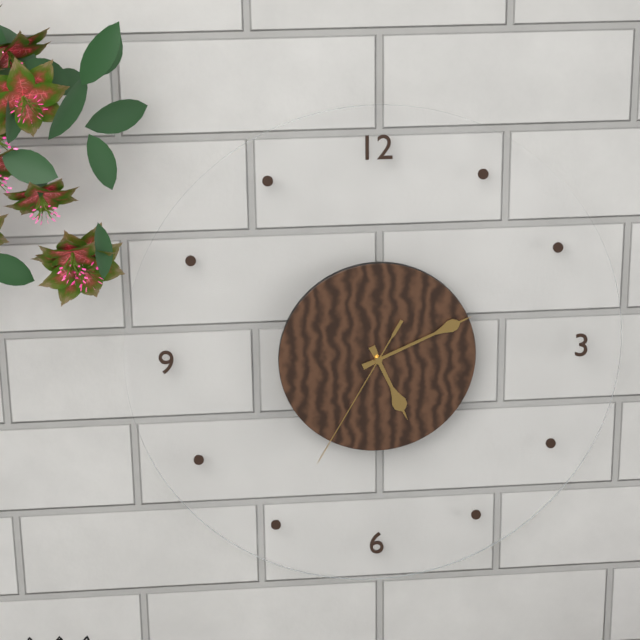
**5:11:35**
